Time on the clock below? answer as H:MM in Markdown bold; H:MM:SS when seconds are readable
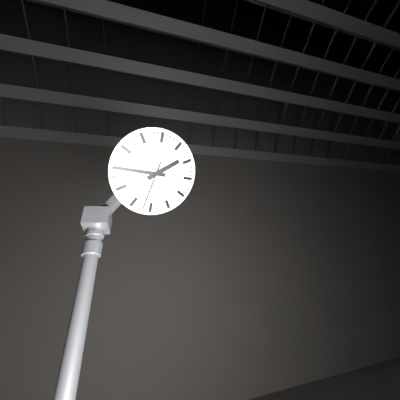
**1:45**
